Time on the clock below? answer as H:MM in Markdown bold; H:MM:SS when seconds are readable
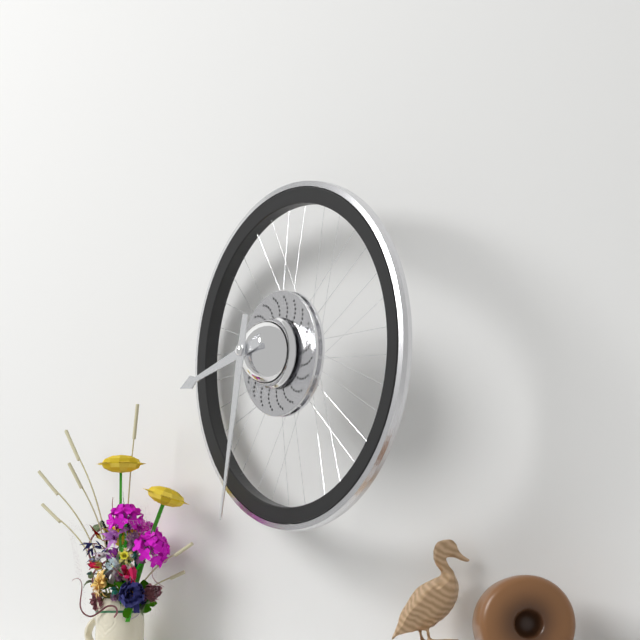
**8:32**
